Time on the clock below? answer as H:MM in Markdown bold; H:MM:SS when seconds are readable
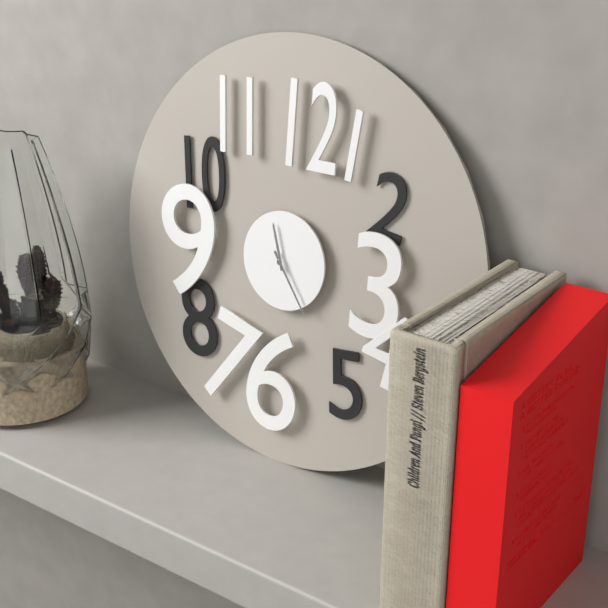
**11:24**
